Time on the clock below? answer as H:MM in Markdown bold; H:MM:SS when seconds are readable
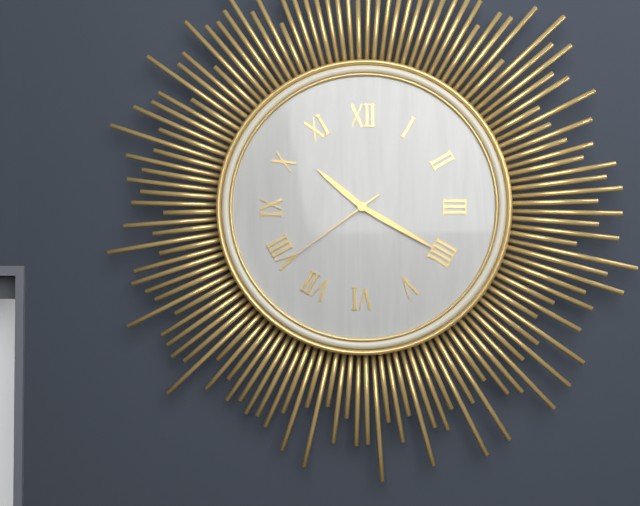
**10:20:39**
